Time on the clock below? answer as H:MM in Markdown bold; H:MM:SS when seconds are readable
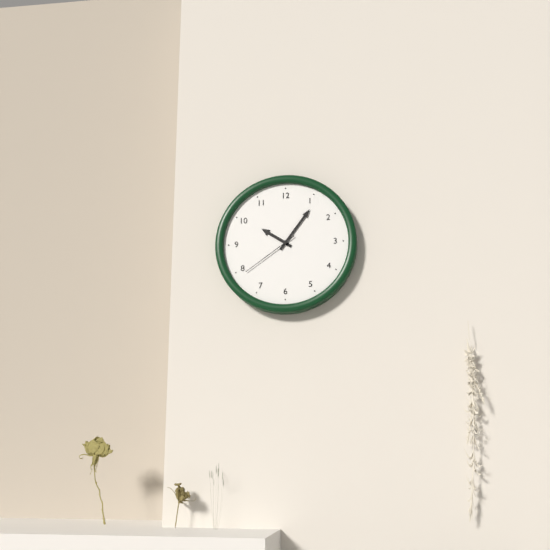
**10:06:39**
